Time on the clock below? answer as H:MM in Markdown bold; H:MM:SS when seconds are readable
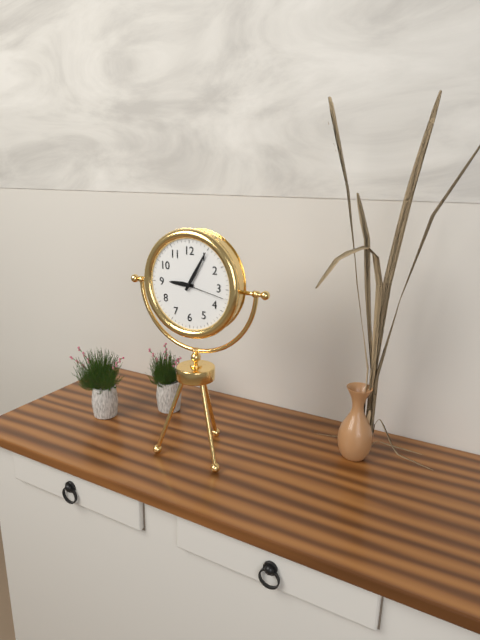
**9:05**
